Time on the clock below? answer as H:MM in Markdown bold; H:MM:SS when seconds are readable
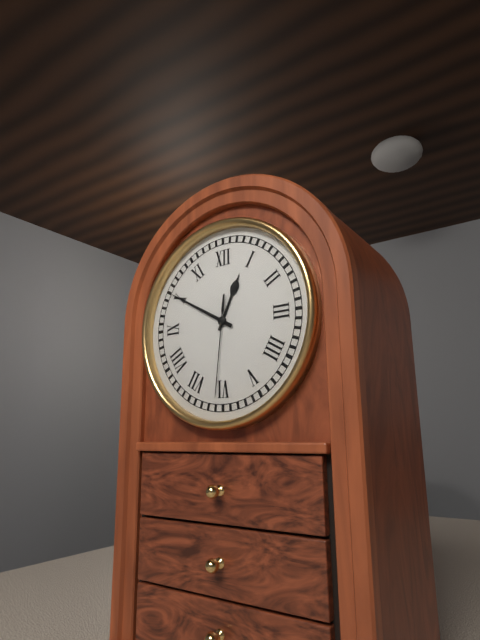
**12:50:31**
